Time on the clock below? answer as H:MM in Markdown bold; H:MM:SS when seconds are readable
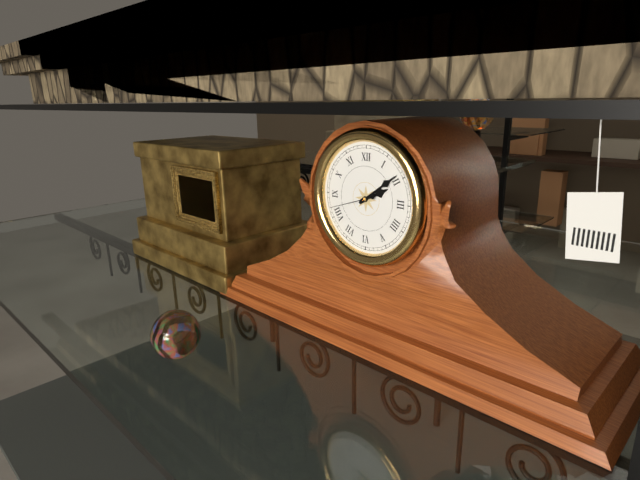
**2:09**
